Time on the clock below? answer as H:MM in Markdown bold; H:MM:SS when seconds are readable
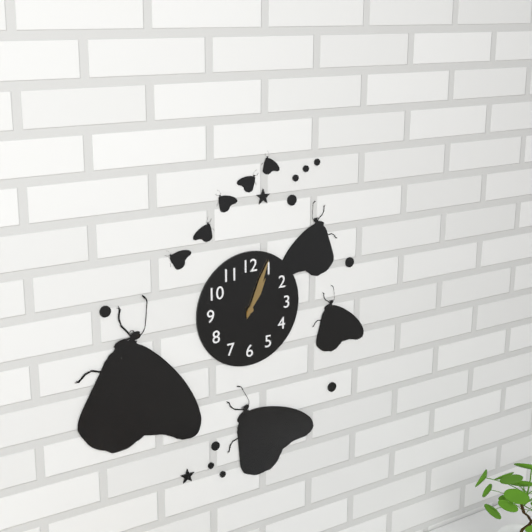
**1:04**
